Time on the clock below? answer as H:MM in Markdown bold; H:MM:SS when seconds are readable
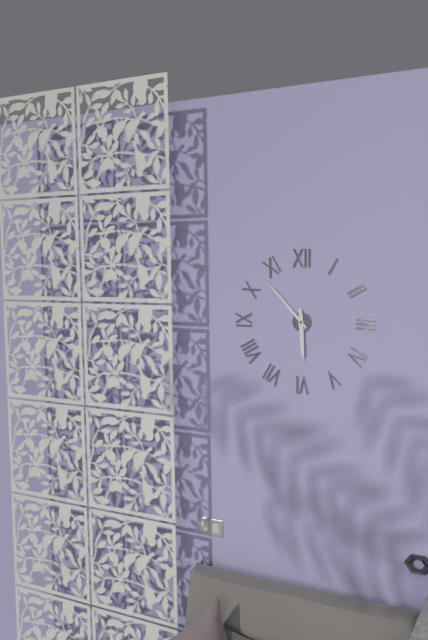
**5:53**
